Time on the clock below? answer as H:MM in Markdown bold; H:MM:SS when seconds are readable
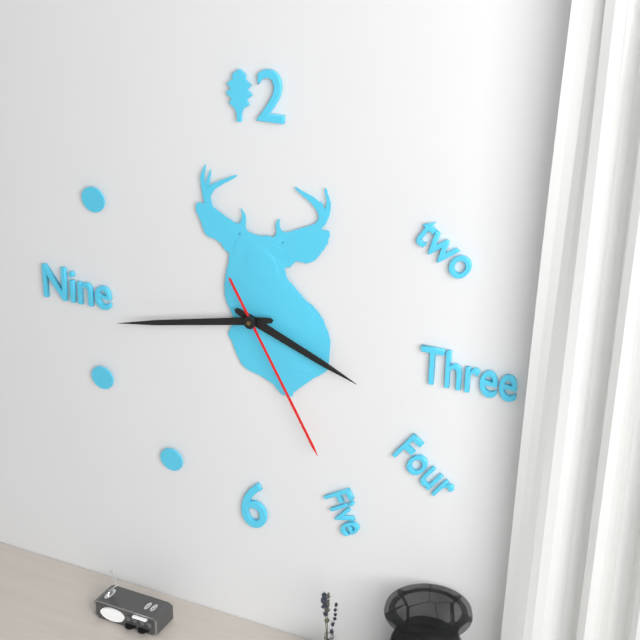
**3:43:25**
